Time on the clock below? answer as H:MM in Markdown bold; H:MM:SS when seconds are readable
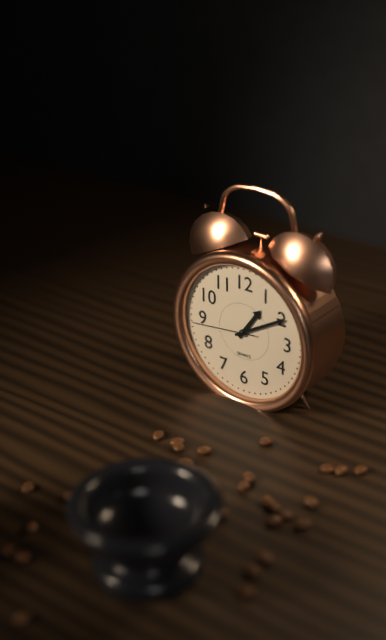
**1:10:44**
